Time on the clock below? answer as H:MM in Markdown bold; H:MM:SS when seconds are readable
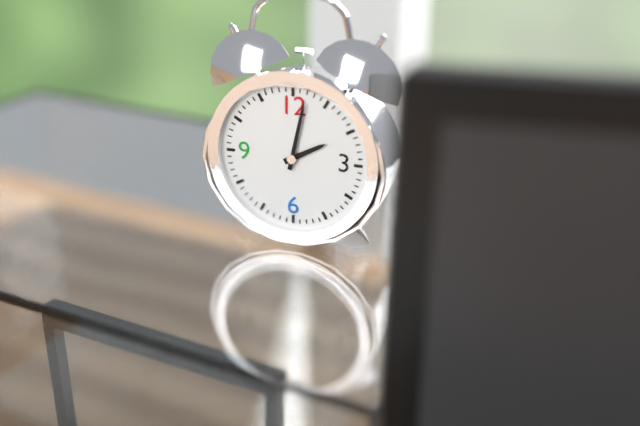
**2:02**
